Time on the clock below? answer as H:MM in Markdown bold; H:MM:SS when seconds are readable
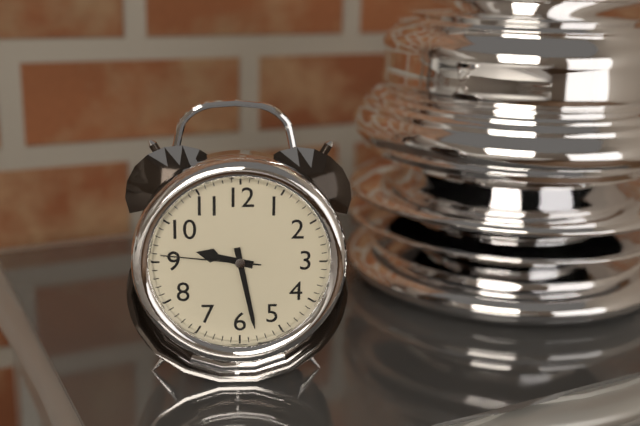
**9:28:46**
